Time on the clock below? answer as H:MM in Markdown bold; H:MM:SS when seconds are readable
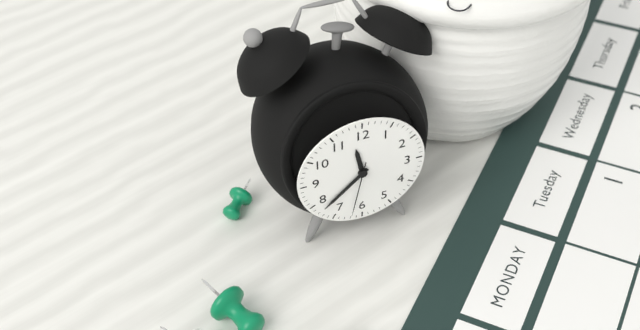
**11:38:32**
